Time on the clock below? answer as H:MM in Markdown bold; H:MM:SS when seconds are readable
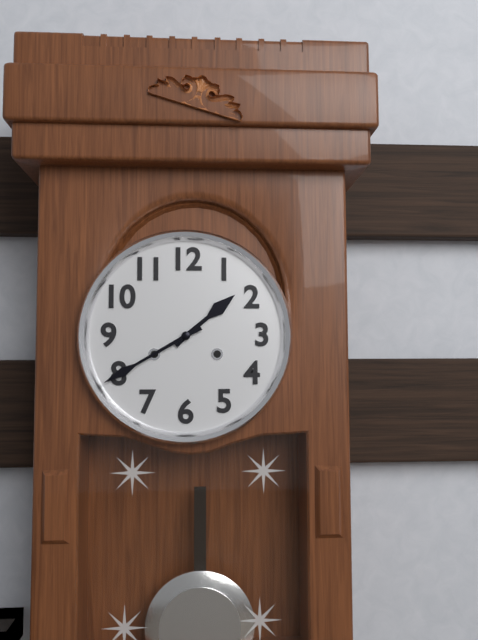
**1:40**
